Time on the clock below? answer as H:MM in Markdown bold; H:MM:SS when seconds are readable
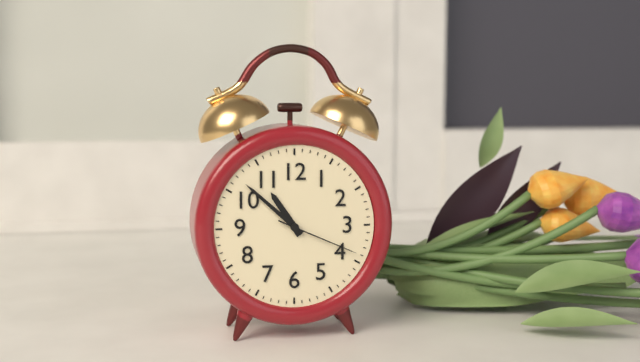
**10:52:19**
